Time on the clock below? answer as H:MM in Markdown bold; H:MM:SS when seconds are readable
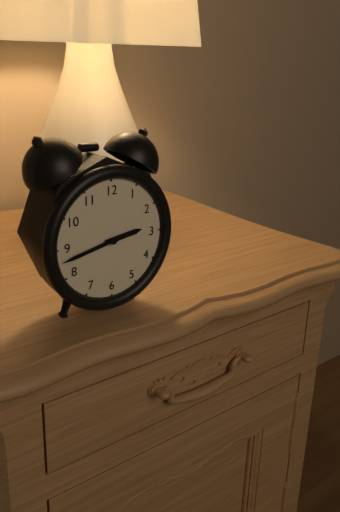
**2:43**
